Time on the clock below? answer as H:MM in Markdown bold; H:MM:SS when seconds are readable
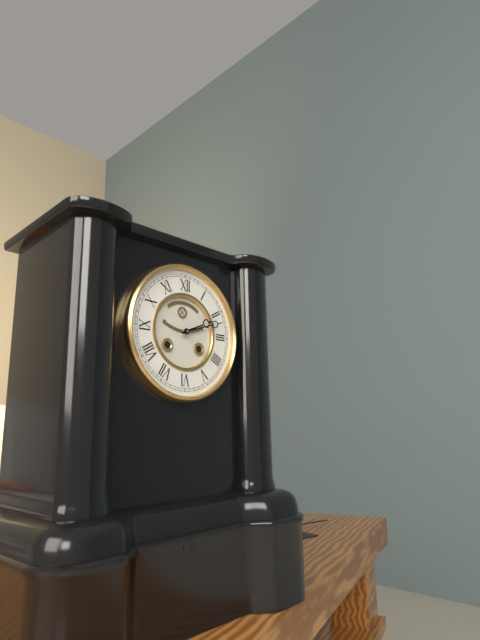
**2:12**
